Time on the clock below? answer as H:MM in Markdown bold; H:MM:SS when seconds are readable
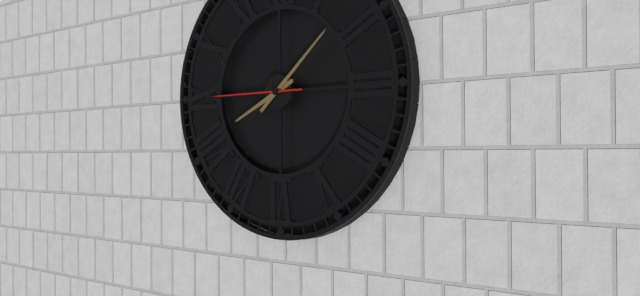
**8:08:45**
